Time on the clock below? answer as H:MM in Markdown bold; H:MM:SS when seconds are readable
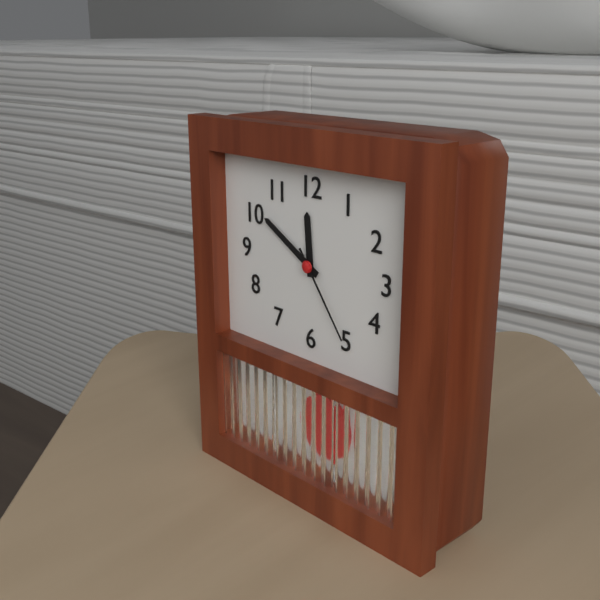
**11:50:24**
